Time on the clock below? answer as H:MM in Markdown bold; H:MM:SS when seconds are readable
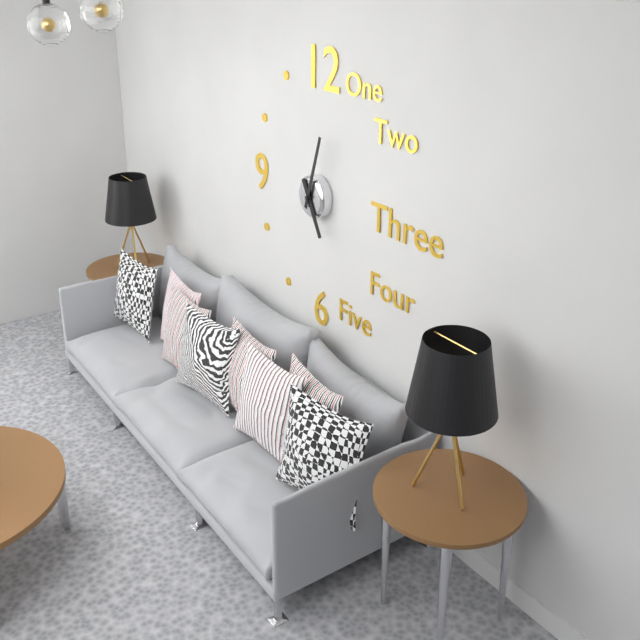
**5:03**
